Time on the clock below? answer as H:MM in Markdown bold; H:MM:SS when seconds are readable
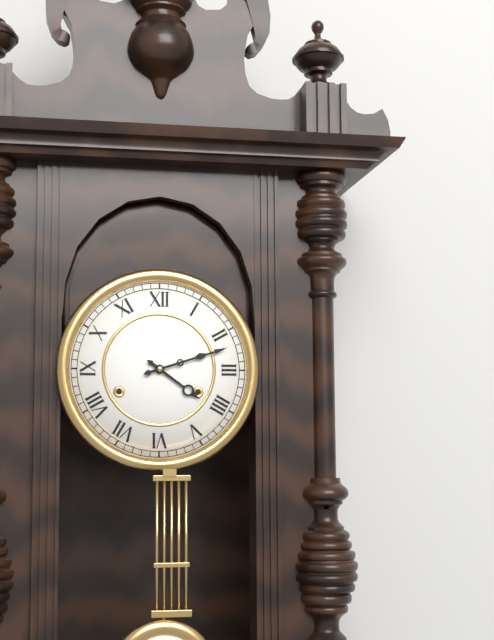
**4:12**
